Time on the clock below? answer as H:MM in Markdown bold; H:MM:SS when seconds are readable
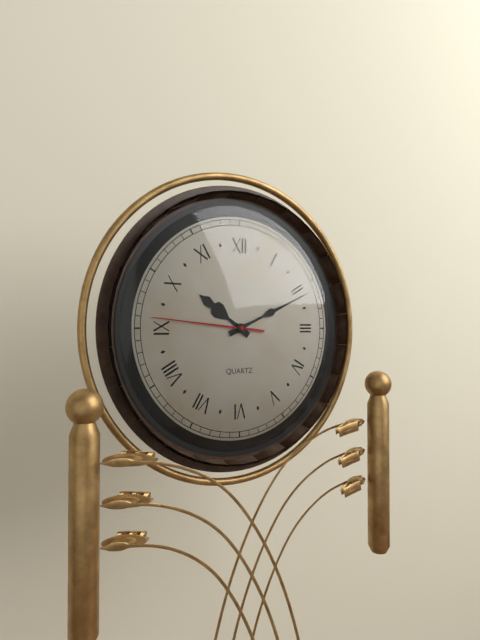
**10:11:46**
